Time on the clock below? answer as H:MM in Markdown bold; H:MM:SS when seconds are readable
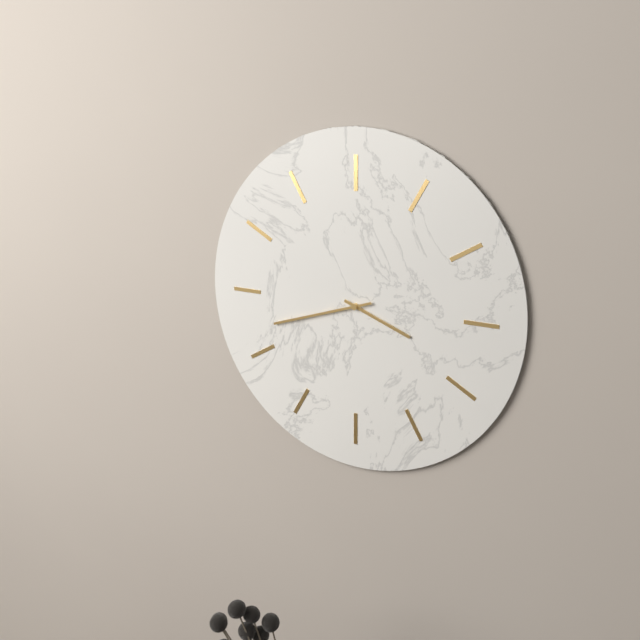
**3:42**
